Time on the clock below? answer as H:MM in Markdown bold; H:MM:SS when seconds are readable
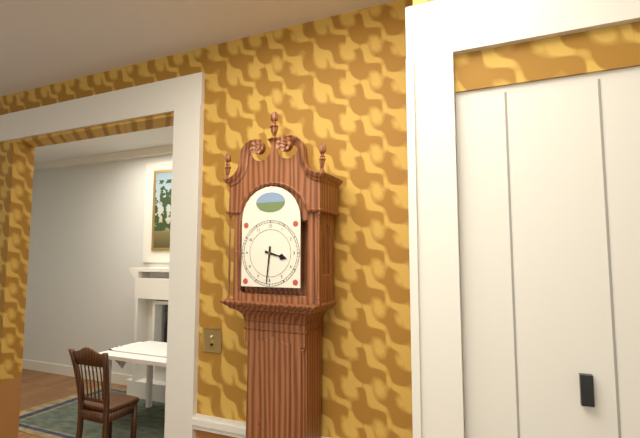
**3:31**
